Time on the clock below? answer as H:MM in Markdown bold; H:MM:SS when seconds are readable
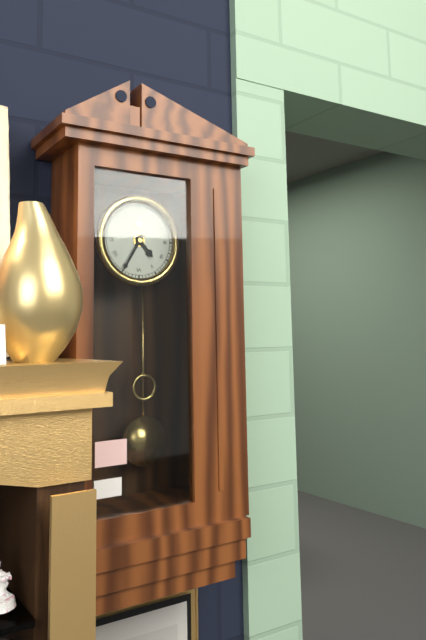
**4:35**
